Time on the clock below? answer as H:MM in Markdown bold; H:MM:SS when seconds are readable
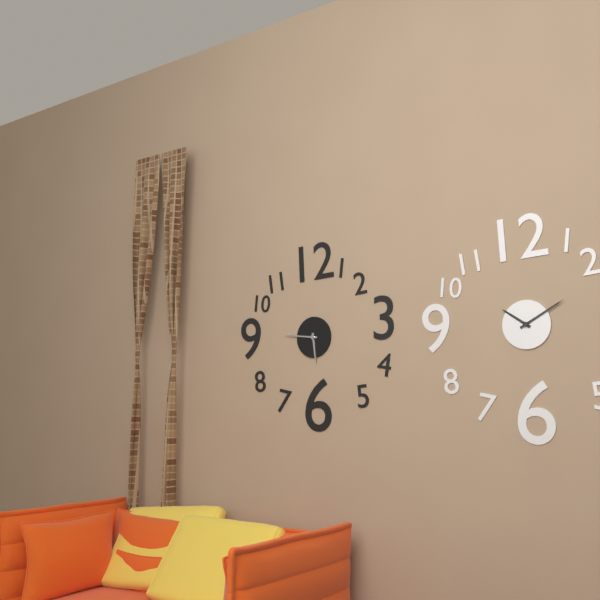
**5:46**
